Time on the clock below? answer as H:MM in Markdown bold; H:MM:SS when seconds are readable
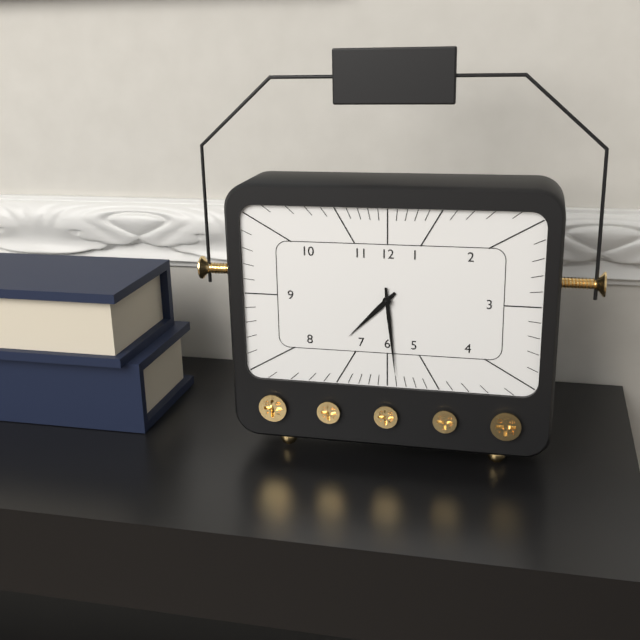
**7:29**
